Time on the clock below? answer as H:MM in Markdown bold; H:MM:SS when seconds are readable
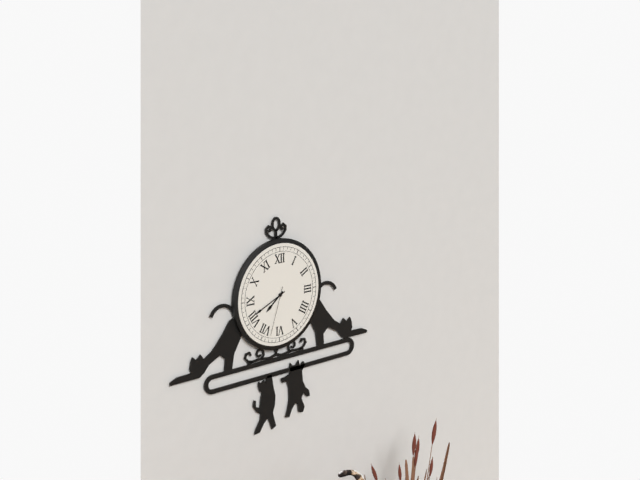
**7:41:33**
